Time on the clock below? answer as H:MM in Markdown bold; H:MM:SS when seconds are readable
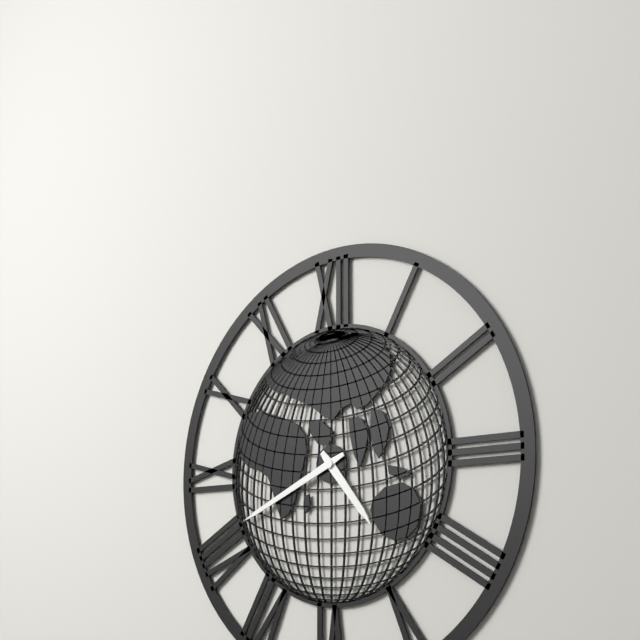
**4:41**
